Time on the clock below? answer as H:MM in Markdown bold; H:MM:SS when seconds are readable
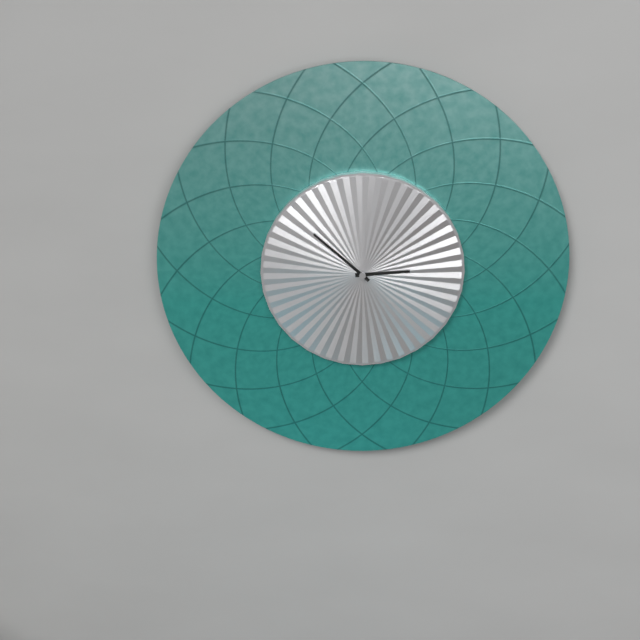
**2:52**
